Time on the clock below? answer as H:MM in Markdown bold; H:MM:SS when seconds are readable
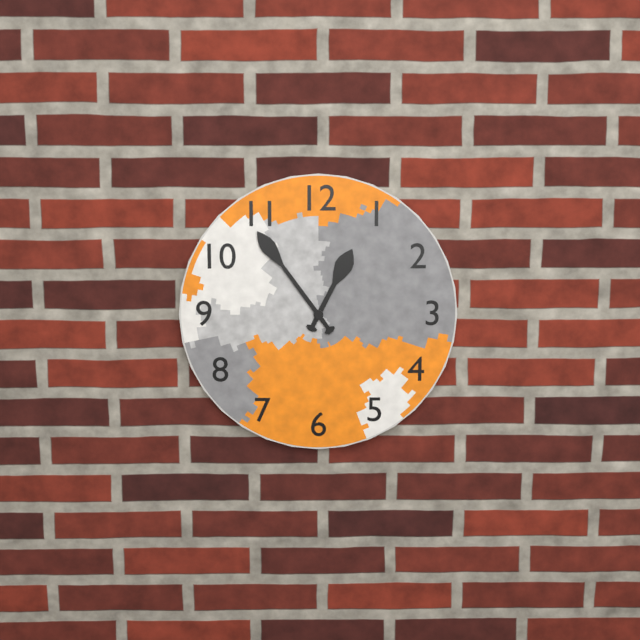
**12:54**
